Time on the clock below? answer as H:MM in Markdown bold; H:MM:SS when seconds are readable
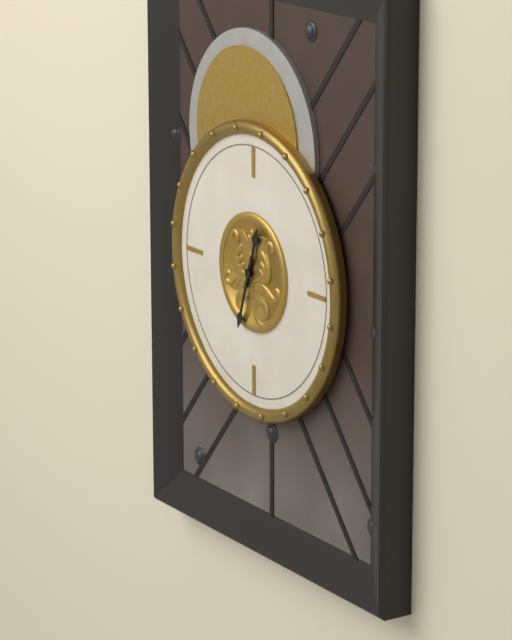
**12:33**
